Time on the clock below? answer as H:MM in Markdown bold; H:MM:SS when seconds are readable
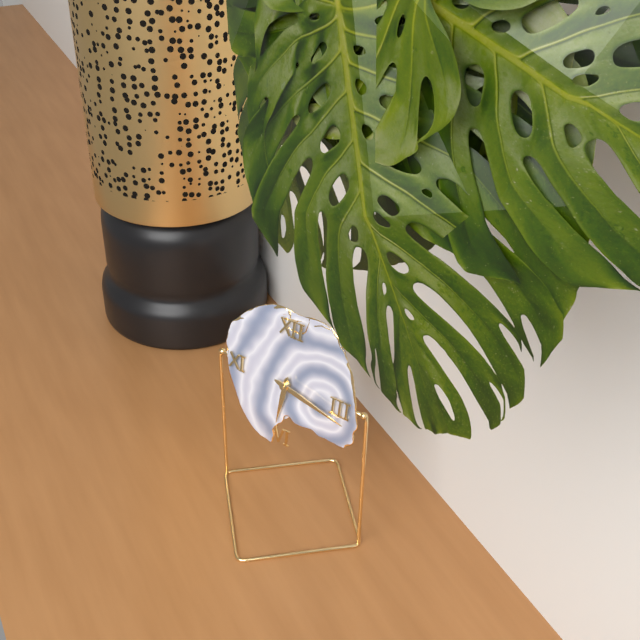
**6:17**
